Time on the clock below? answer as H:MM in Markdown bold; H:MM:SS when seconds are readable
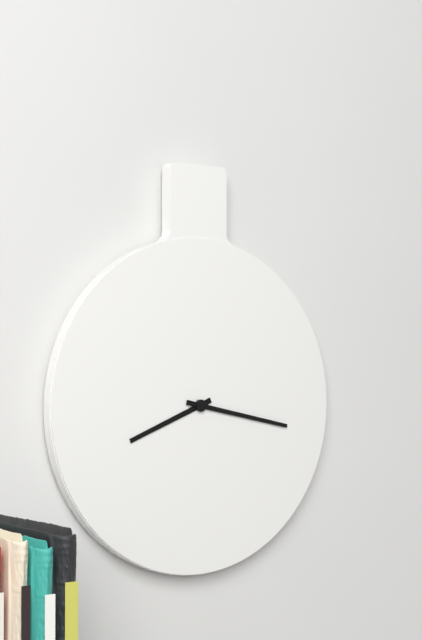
**8:17**
